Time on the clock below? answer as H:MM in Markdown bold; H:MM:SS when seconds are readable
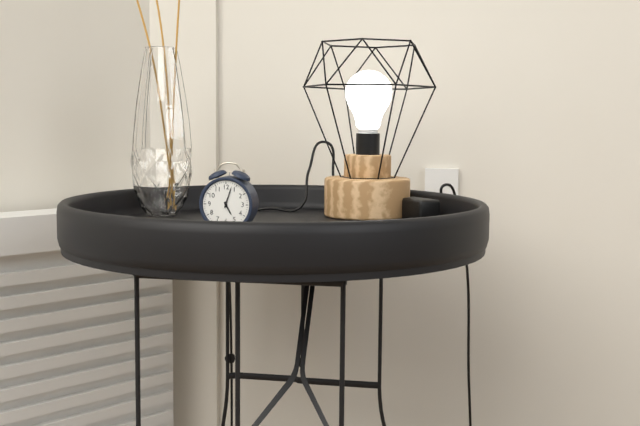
**5:03**
